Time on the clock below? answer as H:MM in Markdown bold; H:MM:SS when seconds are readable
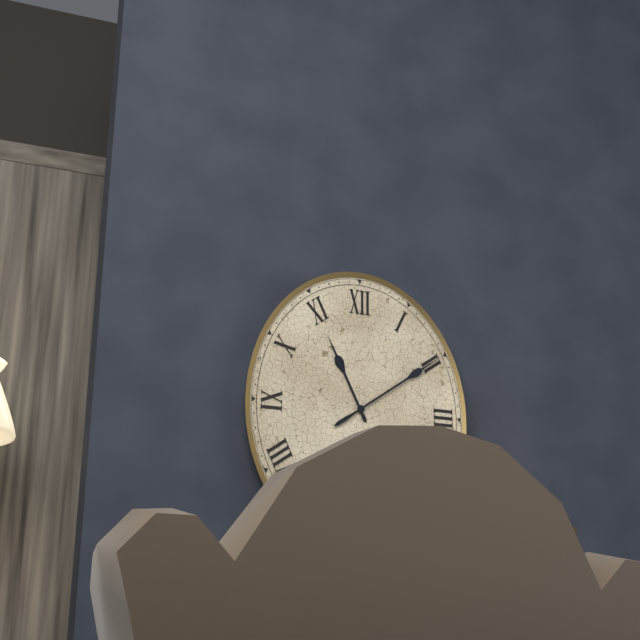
**11:09**
